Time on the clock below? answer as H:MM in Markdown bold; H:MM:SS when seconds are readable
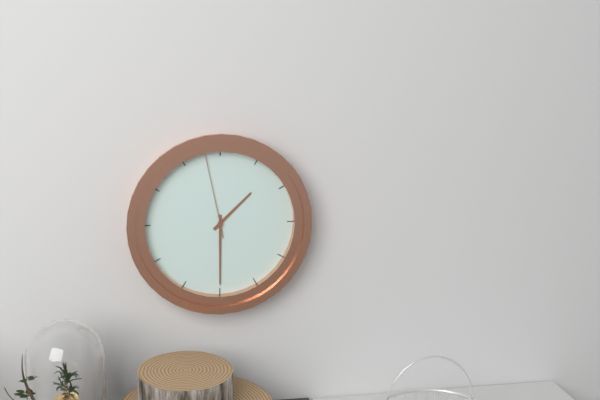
**1:30:58**
